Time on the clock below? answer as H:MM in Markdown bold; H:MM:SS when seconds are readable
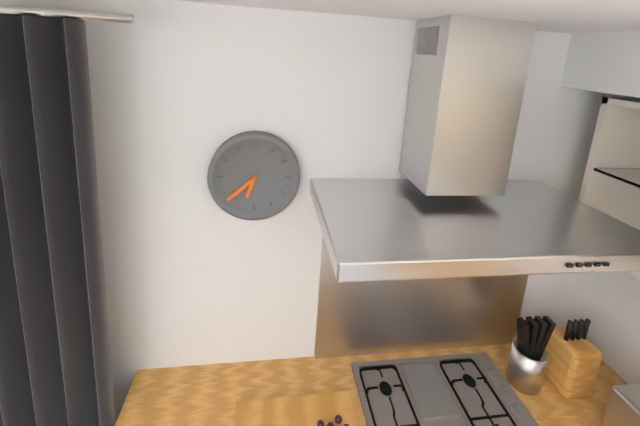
**6:38**
